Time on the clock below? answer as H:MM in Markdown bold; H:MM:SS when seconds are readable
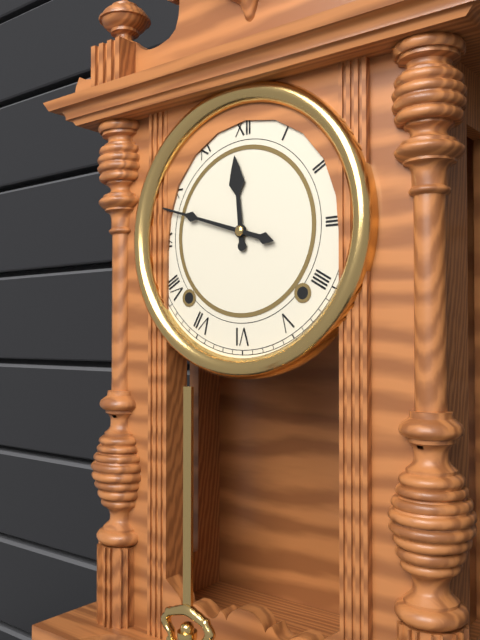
**11:48**
